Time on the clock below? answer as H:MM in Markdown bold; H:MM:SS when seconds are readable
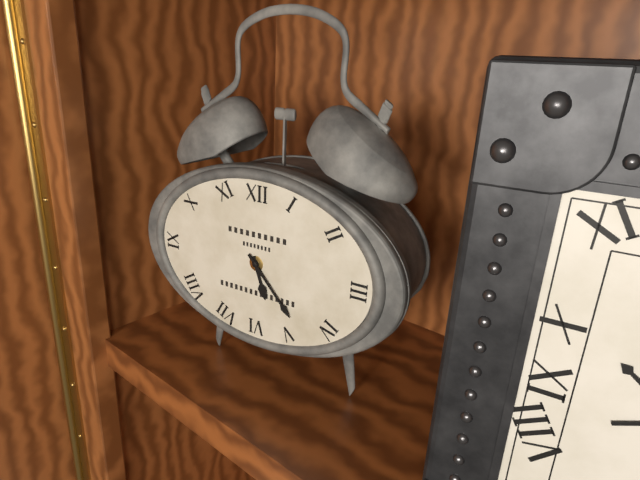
**5:23**
